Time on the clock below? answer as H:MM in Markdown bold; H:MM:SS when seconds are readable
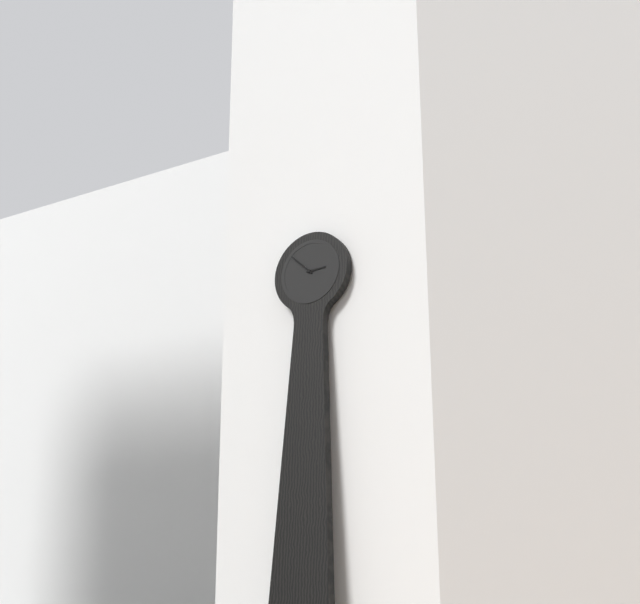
**2:52**
